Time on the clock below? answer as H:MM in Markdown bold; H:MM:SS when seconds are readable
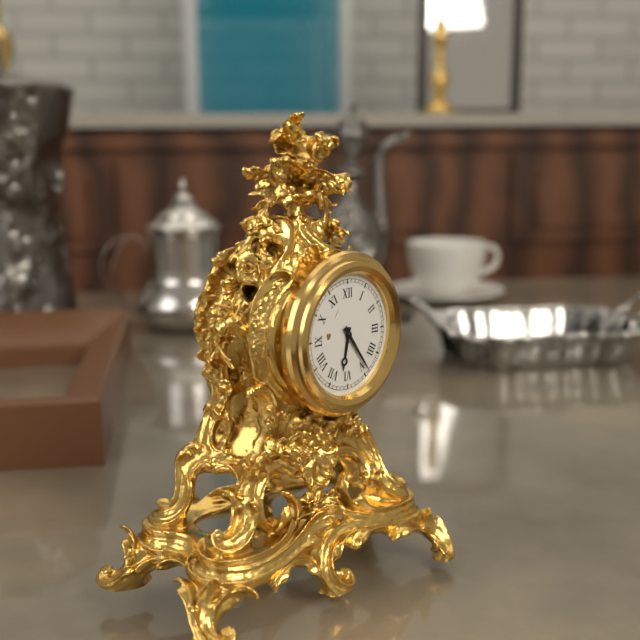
**6:24**
